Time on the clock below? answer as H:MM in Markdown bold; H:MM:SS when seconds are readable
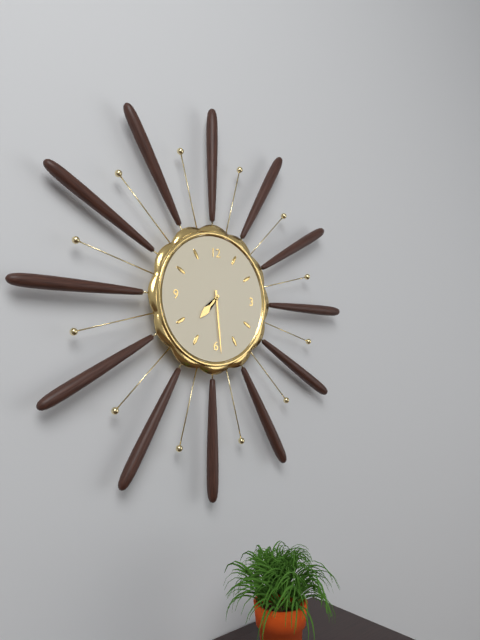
**7:29**
